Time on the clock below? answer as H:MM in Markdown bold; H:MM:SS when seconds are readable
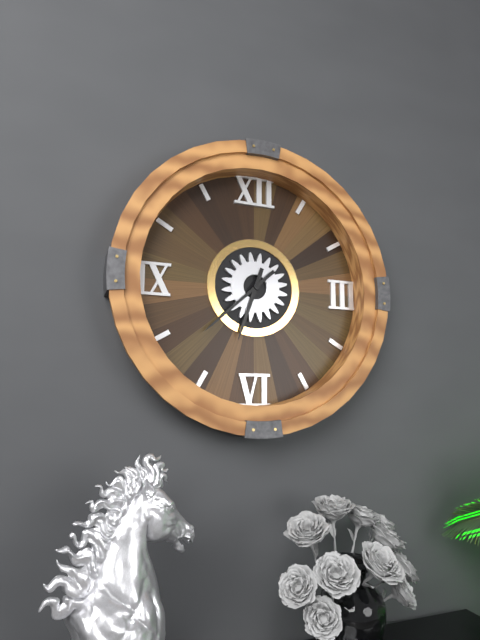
**6:38**
